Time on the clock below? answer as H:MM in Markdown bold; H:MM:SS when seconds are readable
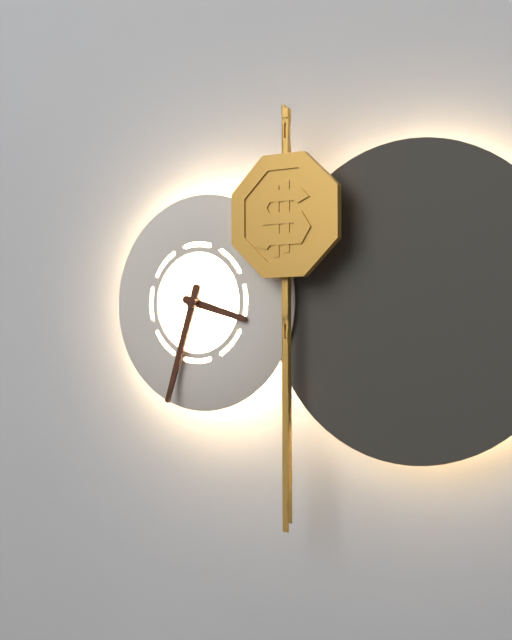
**3:33**
